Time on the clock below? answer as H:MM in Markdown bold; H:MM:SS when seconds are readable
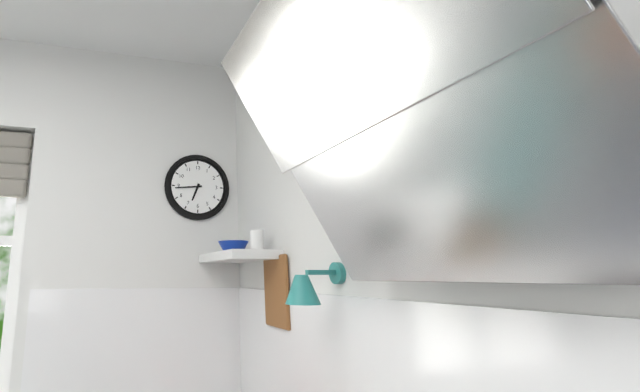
**6:44**
